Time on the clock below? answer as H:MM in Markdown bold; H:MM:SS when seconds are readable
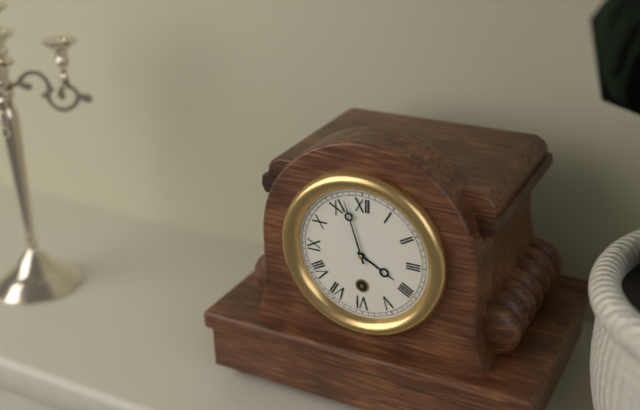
**3:57**
